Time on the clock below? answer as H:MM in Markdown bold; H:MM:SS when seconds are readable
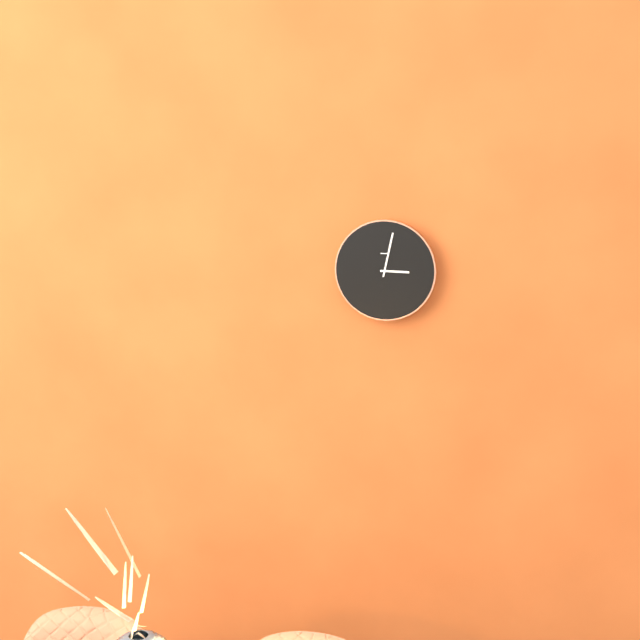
**3:02**
